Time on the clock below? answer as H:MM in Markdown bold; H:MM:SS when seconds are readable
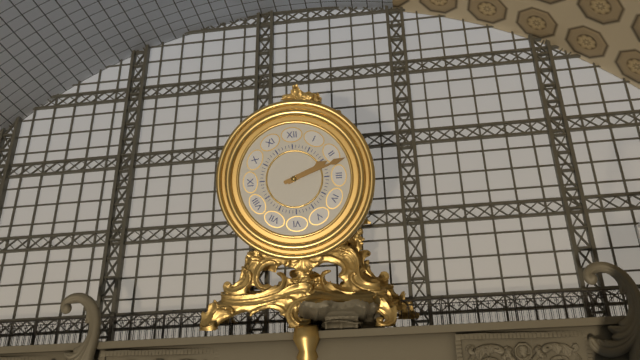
**2:12**
